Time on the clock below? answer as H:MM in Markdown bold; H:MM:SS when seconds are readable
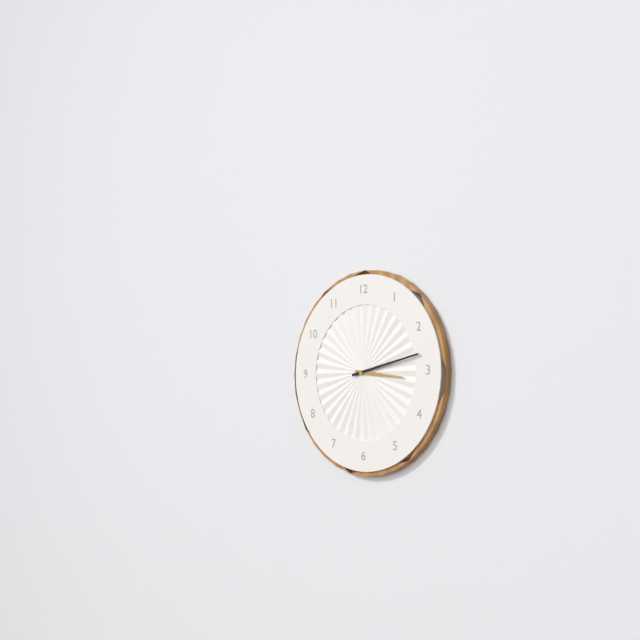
**3:13**
